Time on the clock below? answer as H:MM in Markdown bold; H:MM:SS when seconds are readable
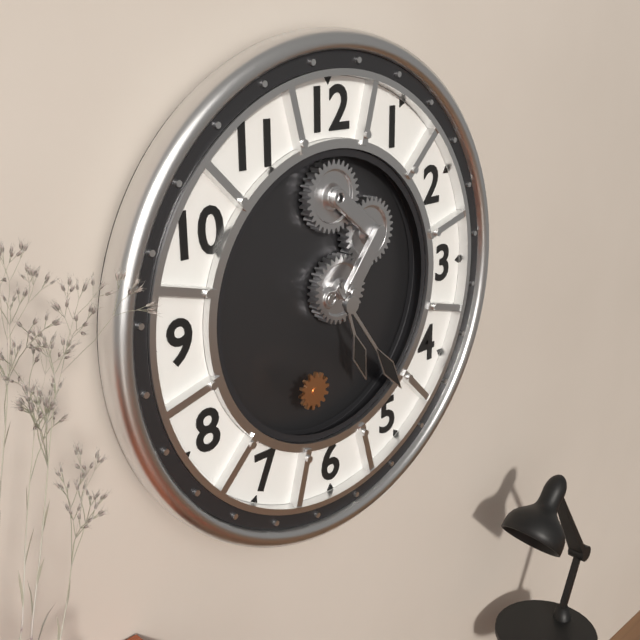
**5:24**
